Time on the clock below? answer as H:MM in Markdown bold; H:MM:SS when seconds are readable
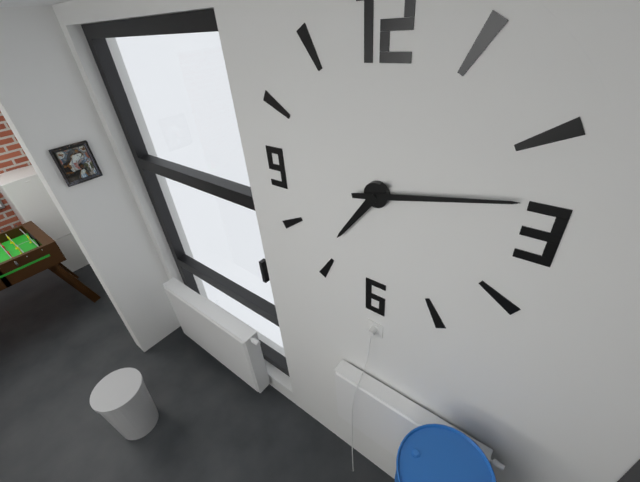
**7:13**
